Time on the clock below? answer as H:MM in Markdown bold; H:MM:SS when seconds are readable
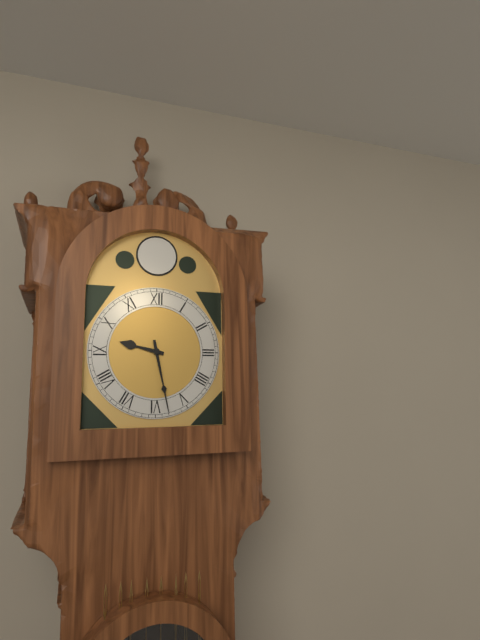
**9:28**
